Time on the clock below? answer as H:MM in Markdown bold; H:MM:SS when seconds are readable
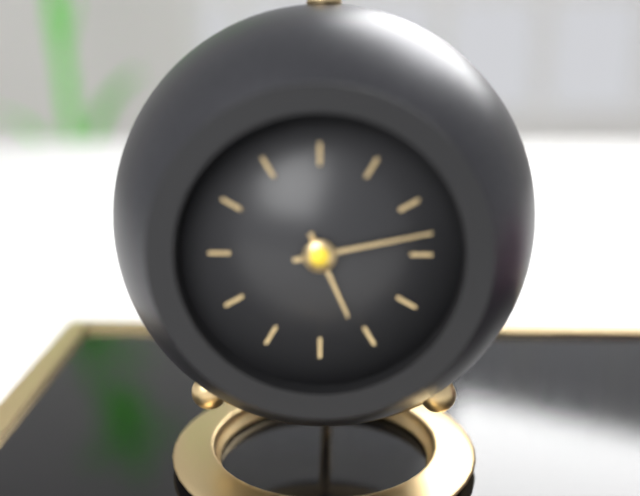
**5:13**
